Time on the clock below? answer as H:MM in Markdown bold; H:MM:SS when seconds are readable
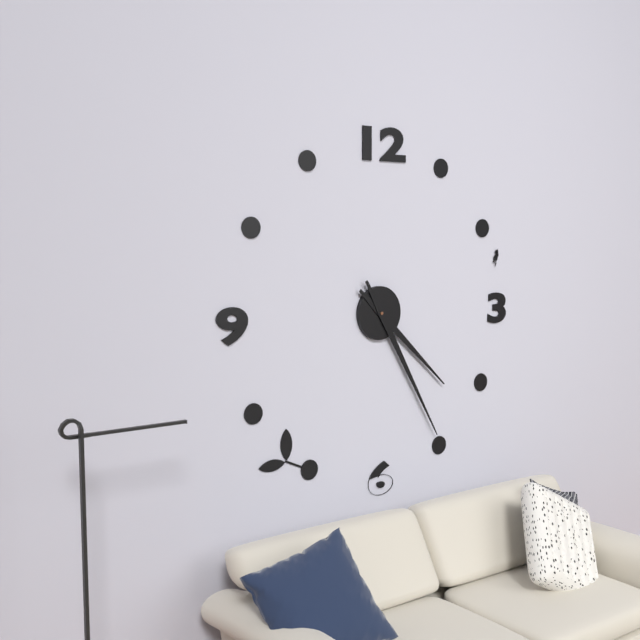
**4:25**
